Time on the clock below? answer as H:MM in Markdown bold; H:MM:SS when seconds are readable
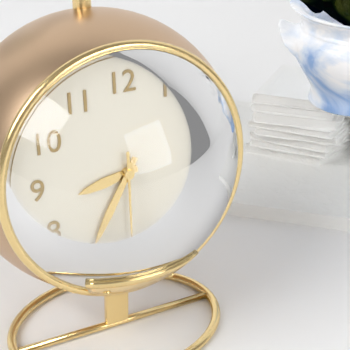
**8:35:30**
